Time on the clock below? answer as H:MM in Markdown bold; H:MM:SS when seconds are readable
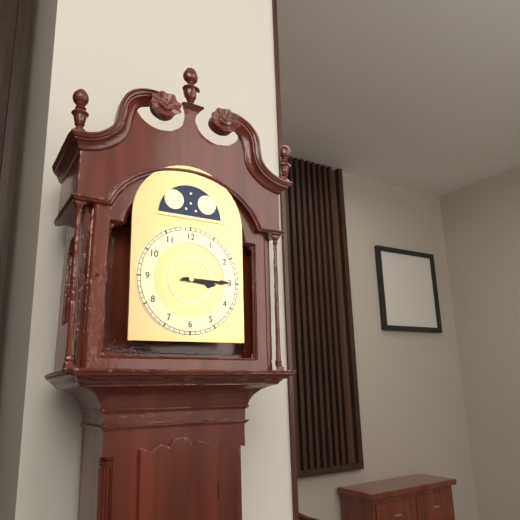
**3:15**
